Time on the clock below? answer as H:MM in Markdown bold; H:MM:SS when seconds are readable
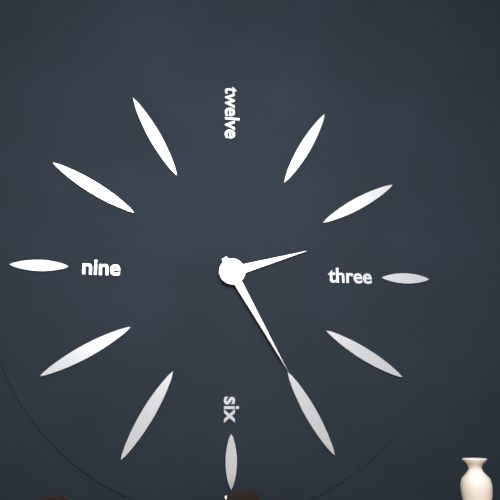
**2:25**
